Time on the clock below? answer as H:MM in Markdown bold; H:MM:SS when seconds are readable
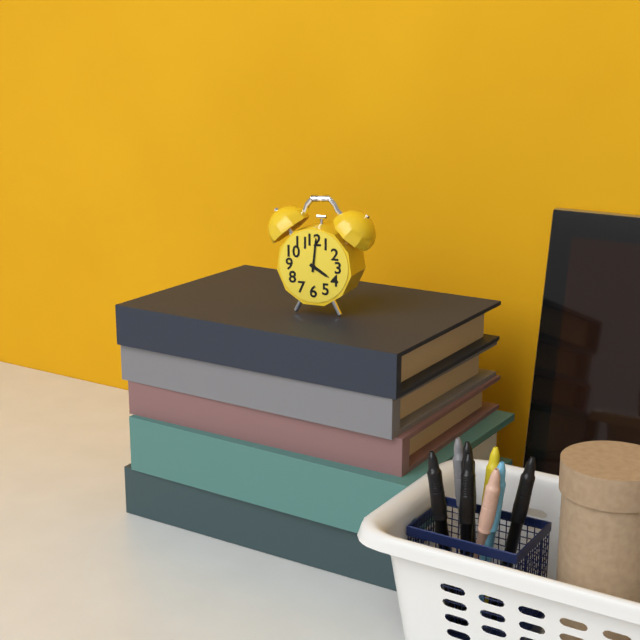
**4:01**
